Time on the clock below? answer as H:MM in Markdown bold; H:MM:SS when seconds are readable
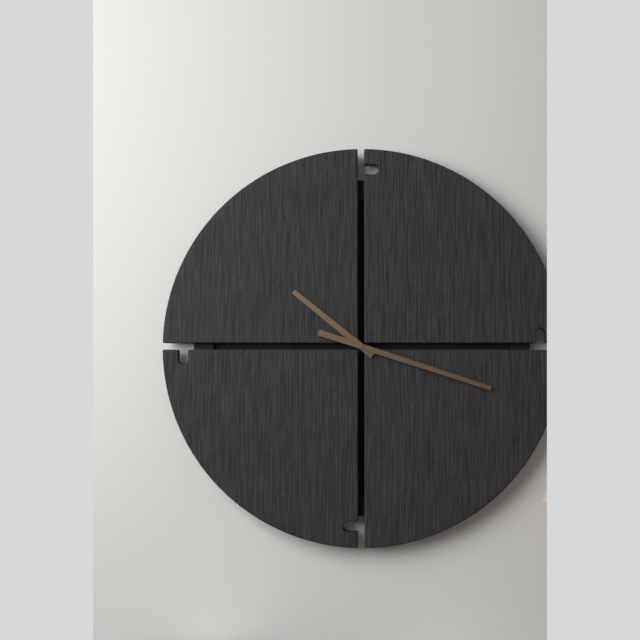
**10:18**
